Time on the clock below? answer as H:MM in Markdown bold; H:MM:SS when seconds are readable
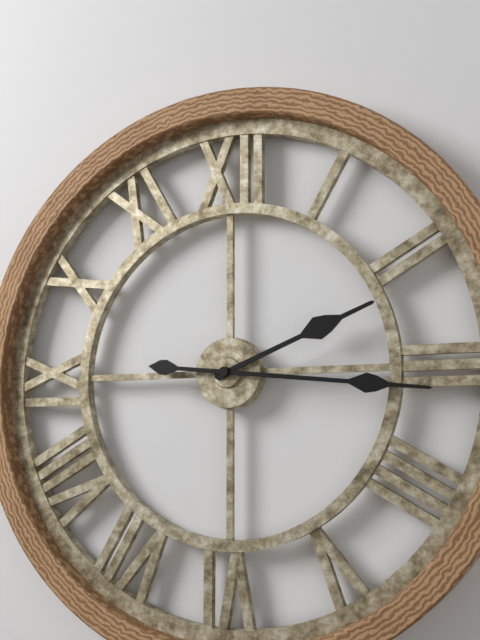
**2:16**
